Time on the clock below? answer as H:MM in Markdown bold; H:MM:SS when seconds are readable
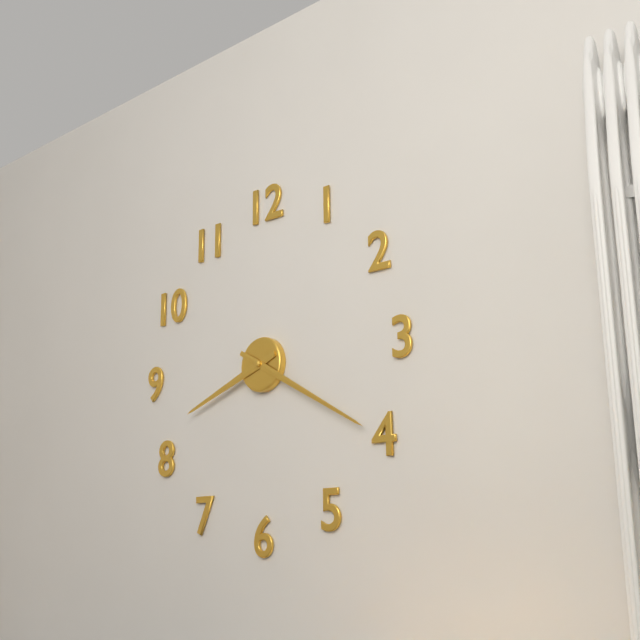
**8:20**
